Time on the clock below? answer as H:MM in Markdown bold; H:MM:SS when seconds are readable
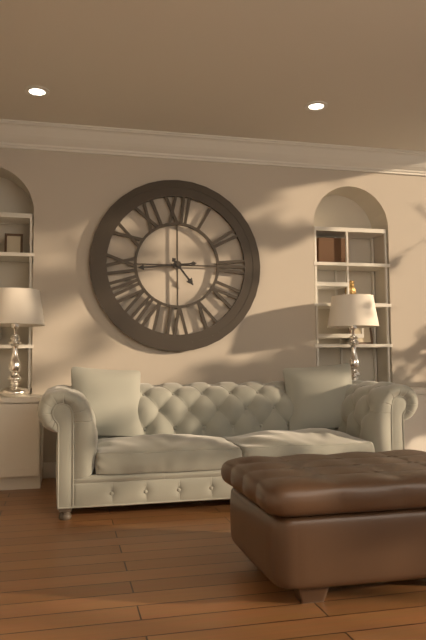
**4:44**
